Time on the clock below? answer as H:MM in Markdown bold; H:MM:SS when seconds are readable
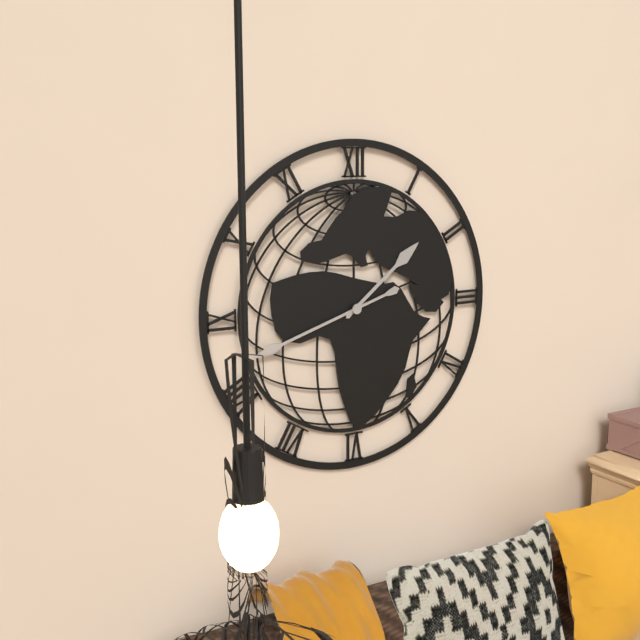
**1:42**
